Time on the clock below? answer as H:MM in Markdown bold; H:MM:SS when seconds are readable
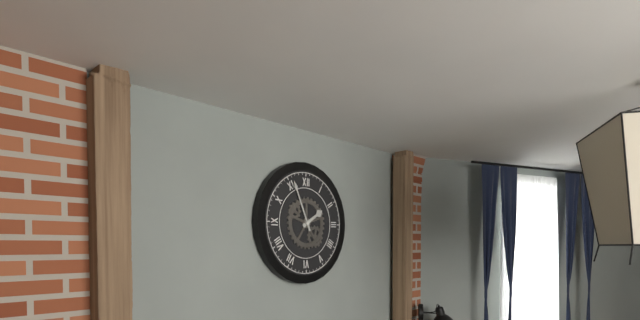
**1:56**
